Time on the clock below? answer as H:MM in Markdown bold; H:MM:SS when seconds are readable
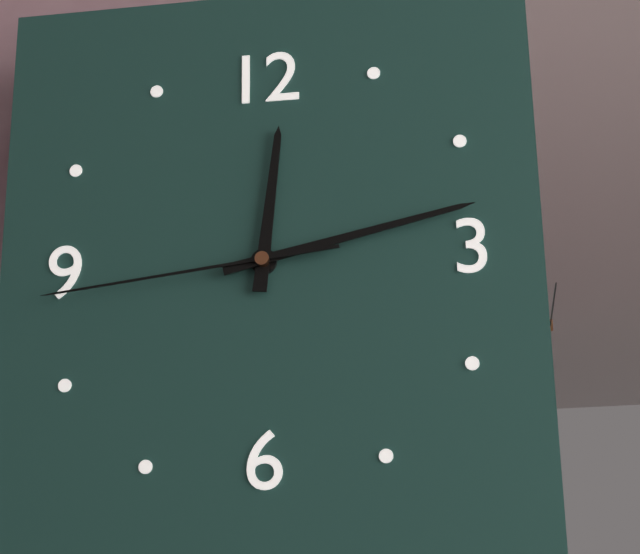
**12:13:44**
